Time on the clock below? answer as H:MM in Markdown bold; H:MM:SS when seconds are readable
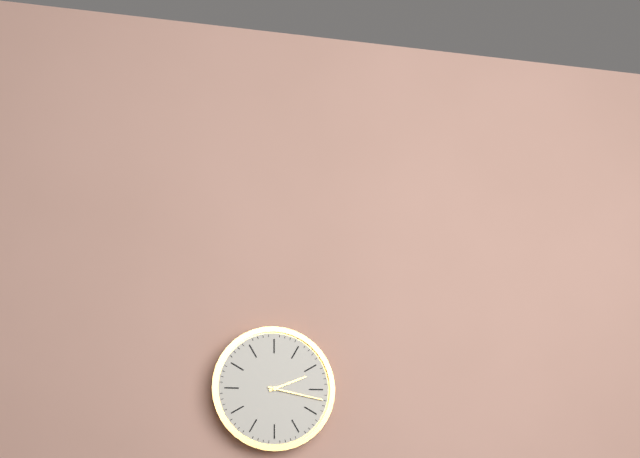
**2:17**
